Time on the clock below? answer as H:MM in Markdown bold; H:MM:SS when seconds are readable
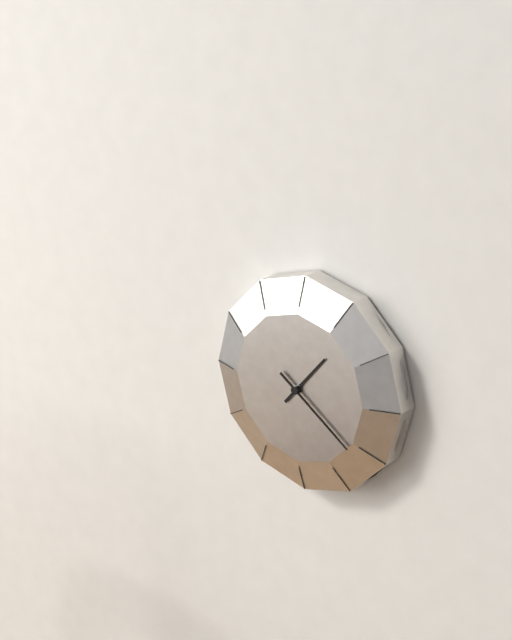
**1:21**
